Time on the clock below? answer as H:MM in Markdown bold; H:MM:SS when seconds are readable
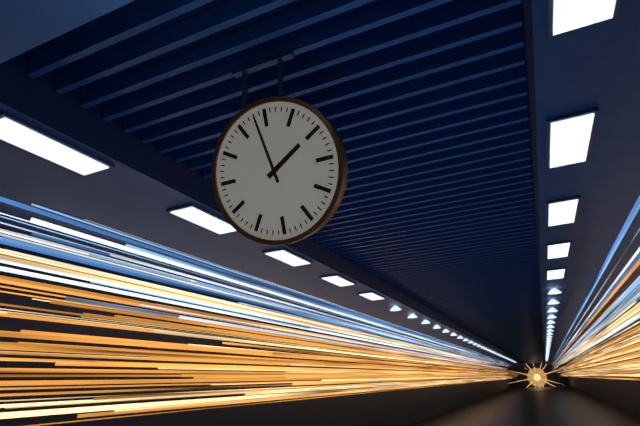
**1:58**
